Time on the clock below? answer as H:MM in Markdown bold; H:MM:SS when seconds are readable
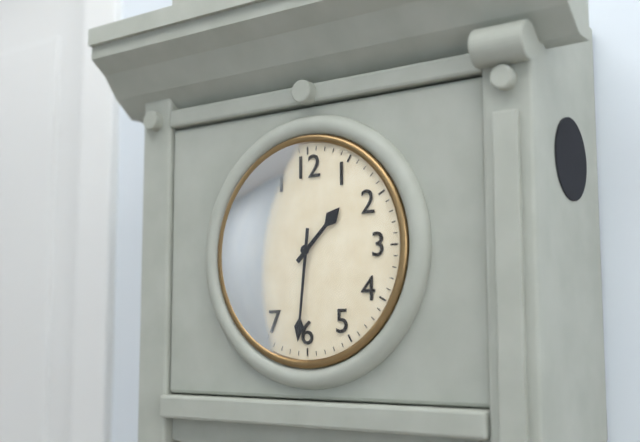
**1:31**
